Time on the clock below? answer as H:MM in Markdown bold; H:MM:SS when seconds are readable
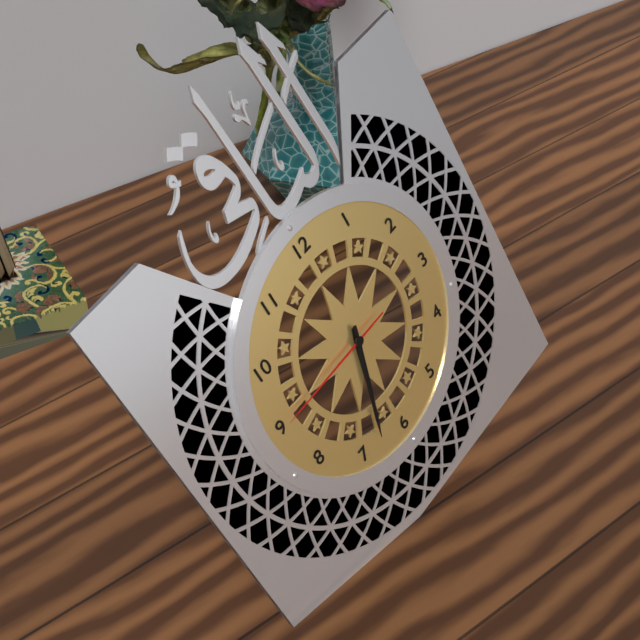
**6:33:45**
